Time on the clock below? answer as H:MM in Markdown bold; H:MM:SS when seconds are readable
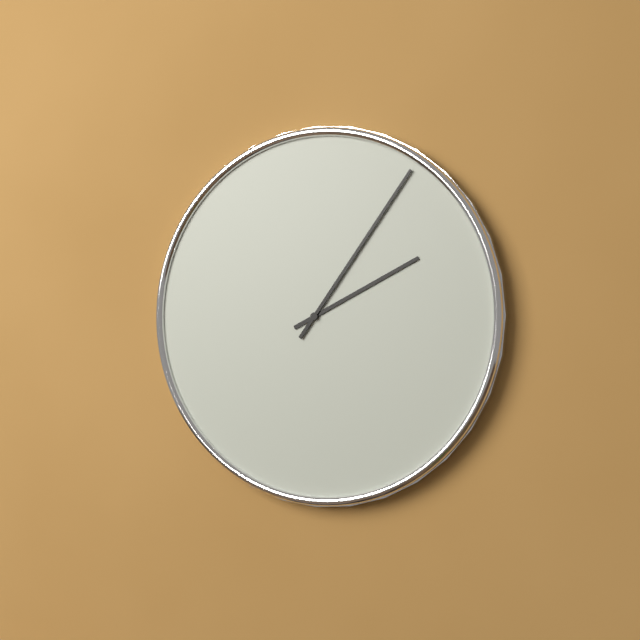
**2:06**
